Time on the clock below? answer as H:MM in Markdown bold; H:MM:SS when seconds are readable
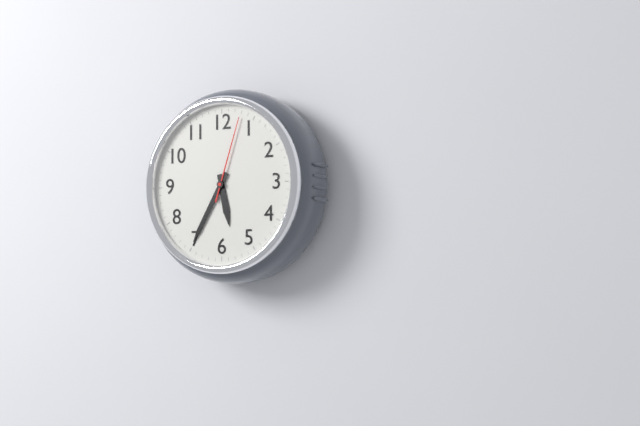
**5:35:03**
